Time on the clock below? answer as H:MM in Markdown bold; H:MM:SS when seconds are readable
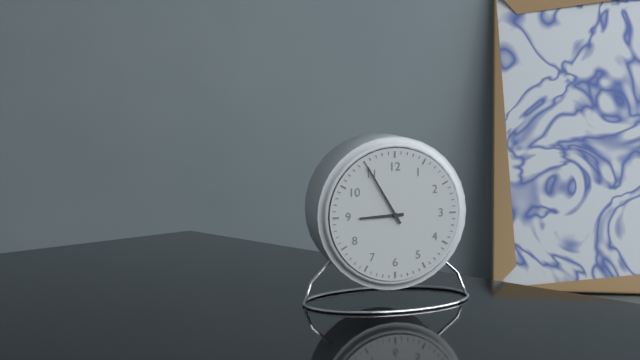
**8:55**
